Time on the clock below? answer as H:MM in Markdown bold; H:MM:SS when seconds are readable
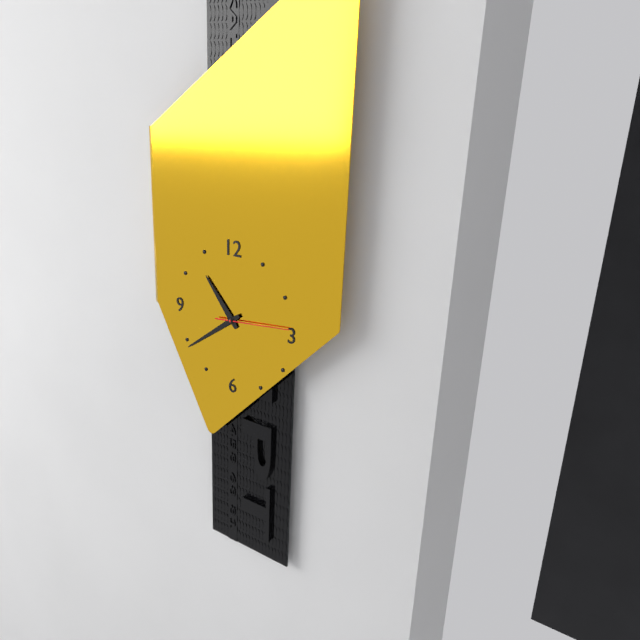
**10:39:14**
